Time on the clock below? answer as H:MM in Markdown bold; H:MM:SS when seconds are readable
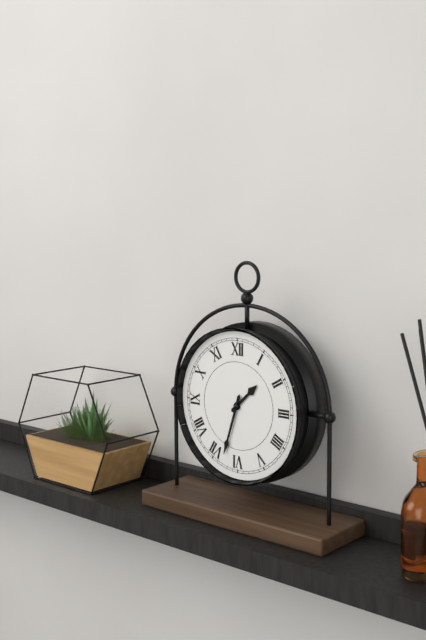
**1:33**
